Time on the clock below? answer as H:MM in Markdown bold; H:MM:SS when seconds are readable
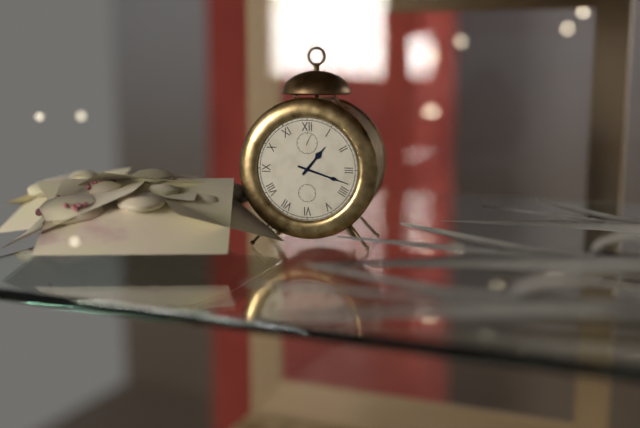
**1:18**
